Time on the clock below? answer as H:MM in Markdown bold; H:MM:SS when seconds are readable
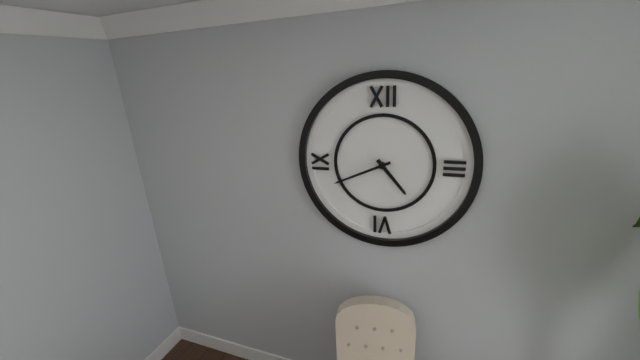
**4:41**
